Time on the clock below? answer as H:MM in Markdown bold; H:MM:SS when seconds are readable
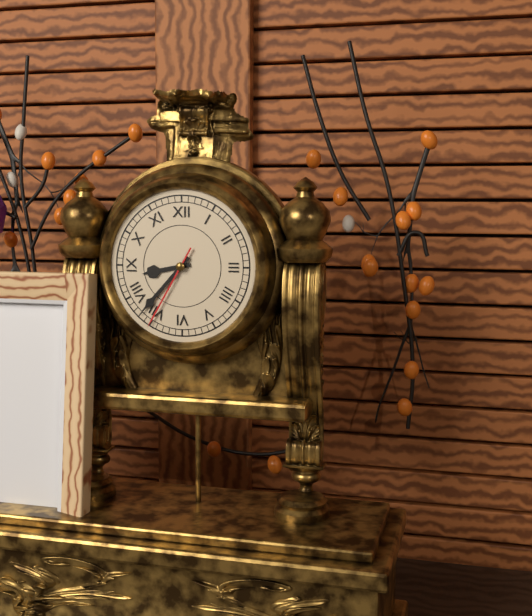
**8:37:35**
